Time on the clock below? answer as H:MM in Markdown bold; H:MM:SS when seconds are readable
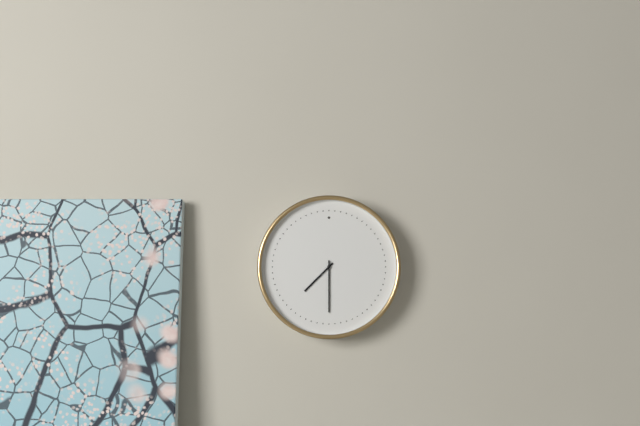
**7:30**
